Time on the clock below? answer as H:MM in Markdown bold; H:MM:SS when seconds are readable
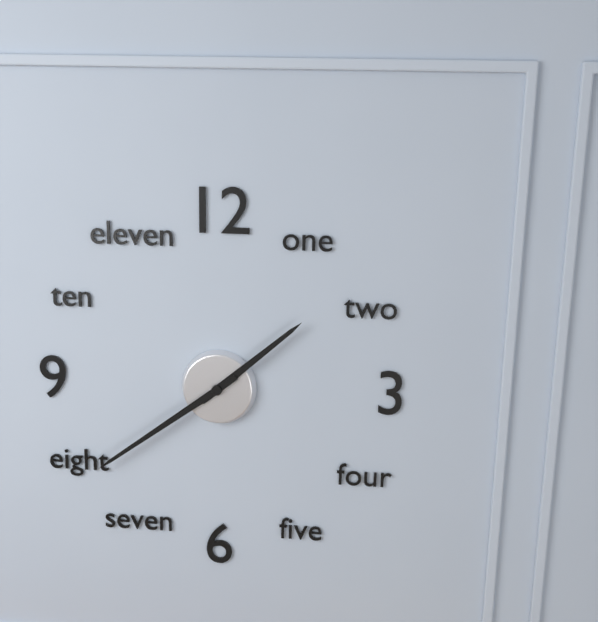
**1:39**
